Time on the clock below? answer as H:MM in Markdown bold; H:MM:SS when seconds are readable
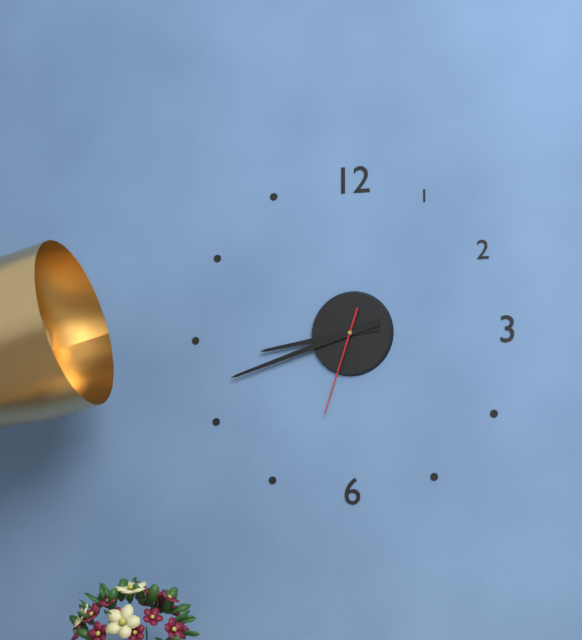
**8:42:33**
